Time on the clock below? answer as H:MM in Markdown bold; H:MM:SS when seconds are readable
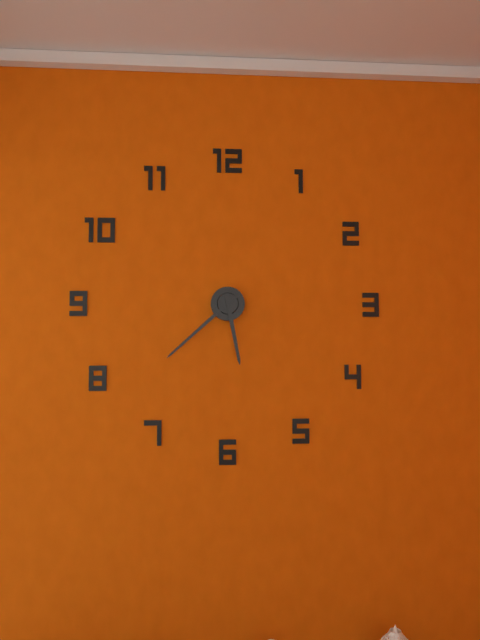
**5:38**
